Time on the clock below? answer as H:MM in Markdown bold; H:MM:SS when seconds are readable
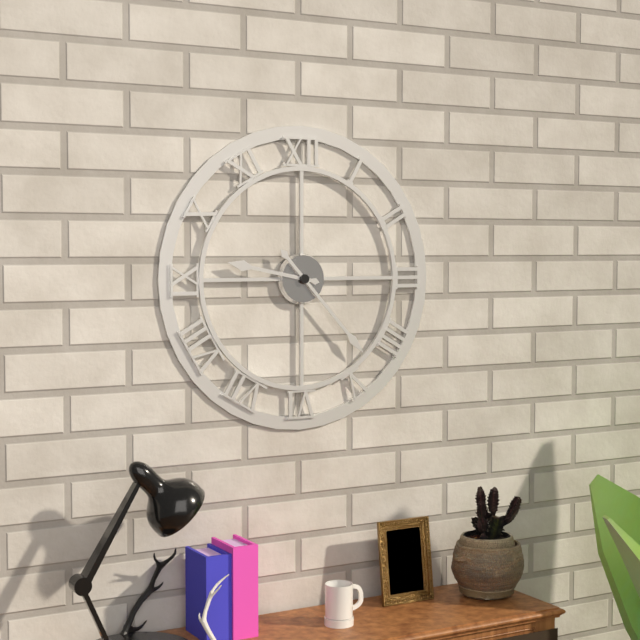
**9:23**
